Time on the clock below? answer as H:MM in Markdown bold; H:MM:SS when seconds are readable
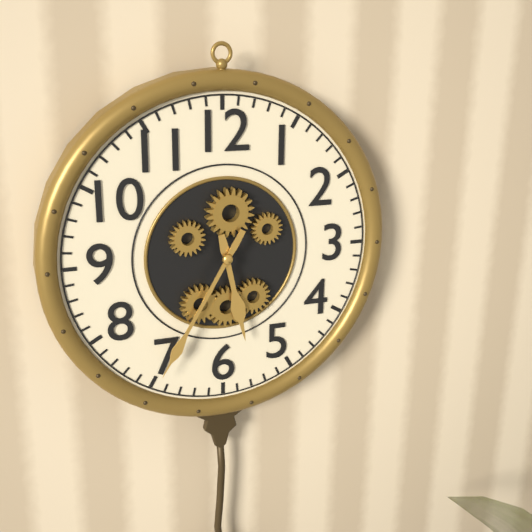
**5:35**
